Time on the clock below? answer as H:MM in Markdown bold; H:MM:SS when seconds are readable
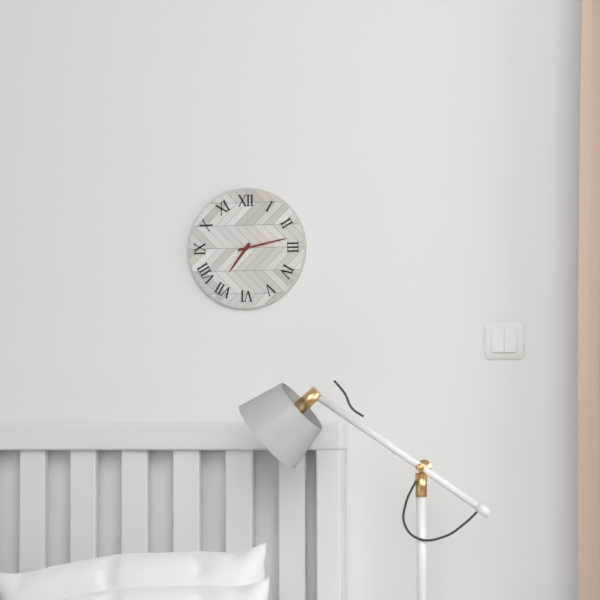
**7:13**
